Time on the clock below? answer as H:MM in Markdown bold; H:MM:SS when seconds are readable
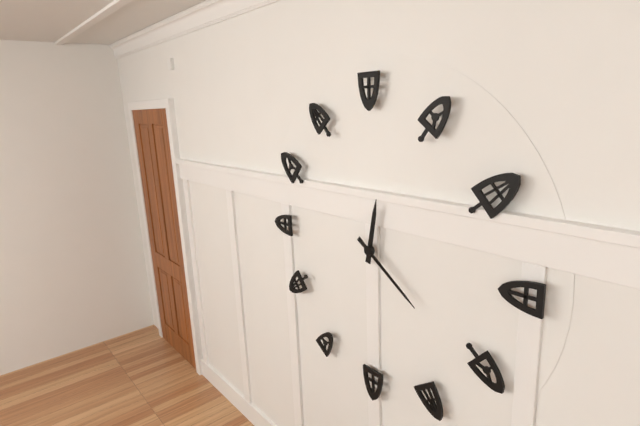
**12:21**
